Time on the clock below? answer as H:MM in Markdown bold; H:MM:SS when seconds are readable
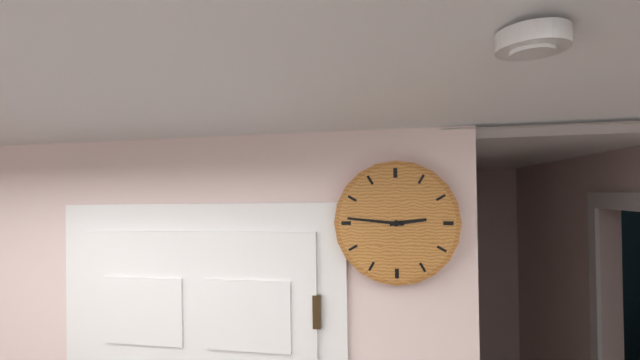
**2:46**
